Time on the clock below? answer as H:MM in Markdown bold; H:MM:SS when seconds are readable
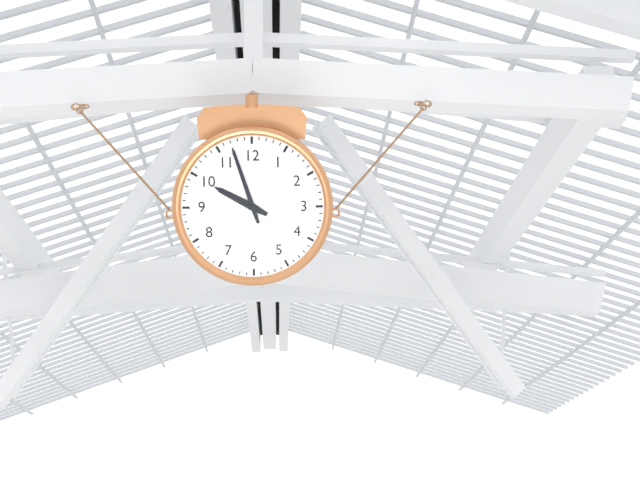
**9:57**
